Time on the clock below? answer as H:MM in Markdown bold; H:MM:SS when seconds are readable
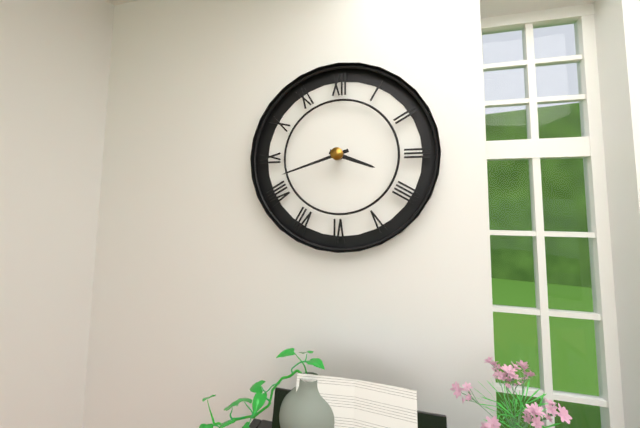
**3:42**
